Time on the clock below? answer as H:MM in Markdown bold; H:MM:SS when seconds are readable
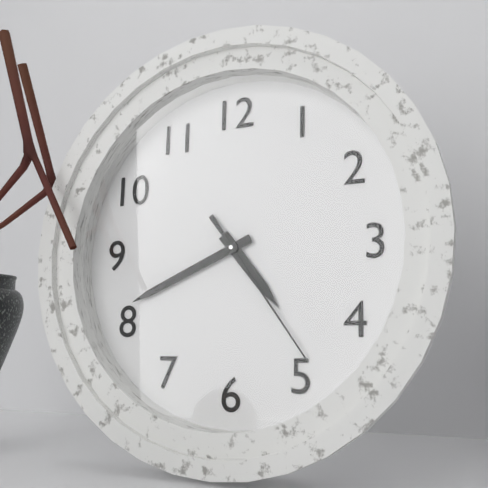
**4:41:24**
